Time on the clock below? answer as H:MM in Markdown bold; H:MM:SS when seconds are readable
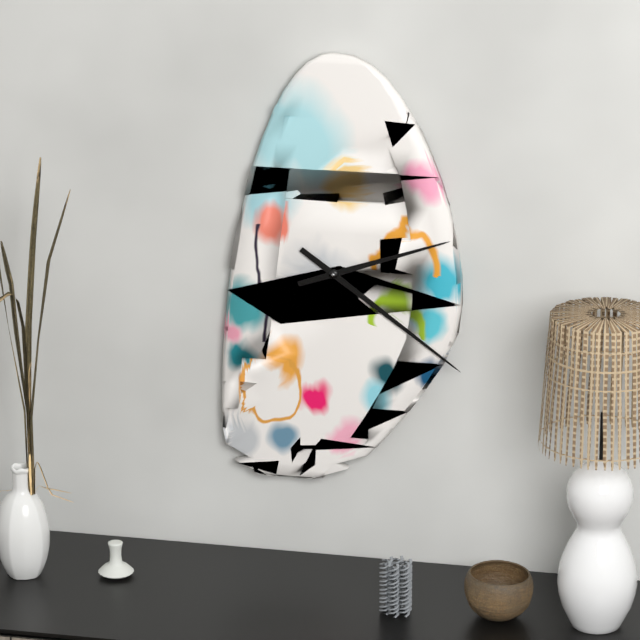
**2:21**
